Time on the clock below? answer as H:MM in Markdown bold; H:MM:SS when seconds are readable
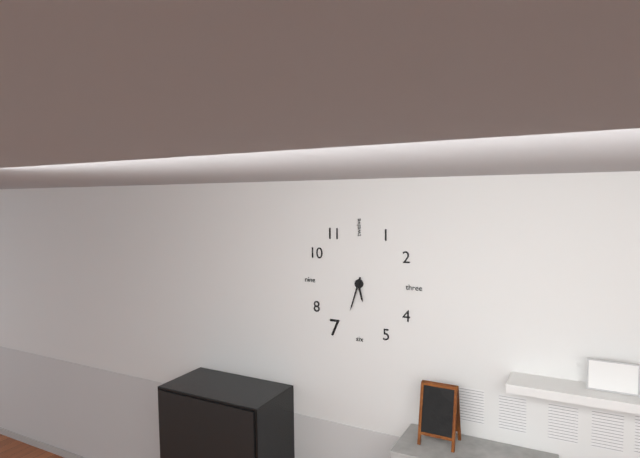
**5:33**
